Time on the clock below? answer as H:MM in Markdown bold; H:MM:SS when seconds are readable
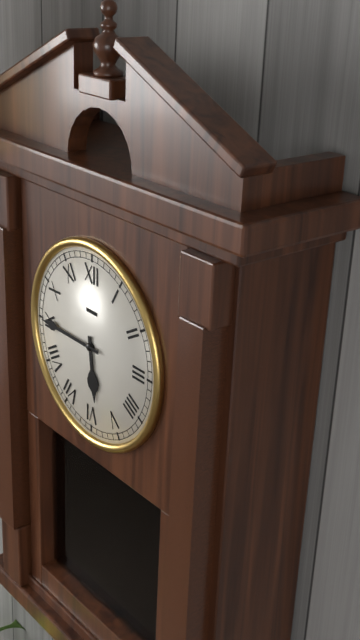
**5:45**
